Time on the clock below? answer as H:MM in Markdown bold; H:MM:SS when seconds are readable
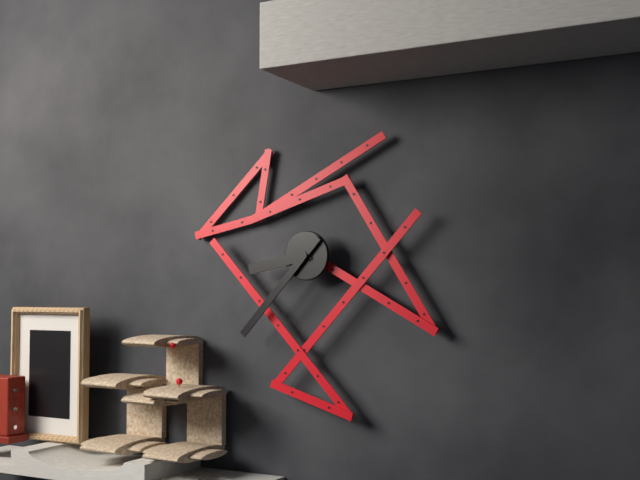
**8:37**
